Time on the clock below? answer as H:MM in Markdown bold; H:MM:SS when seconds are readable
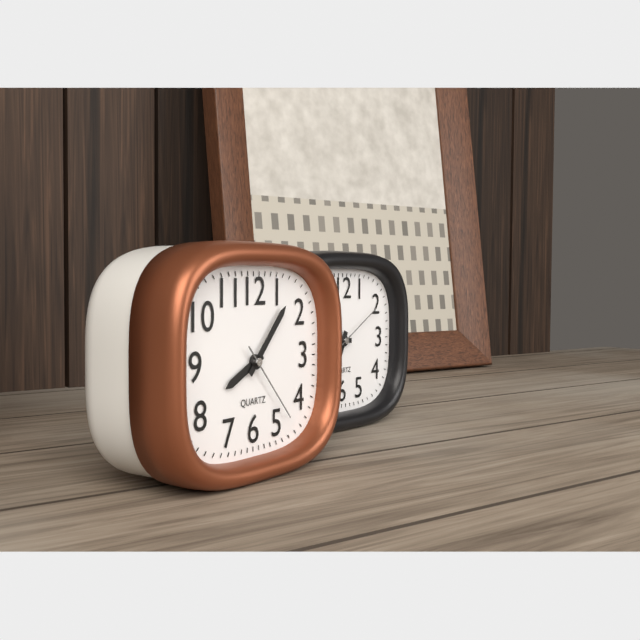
**8:07:23**
